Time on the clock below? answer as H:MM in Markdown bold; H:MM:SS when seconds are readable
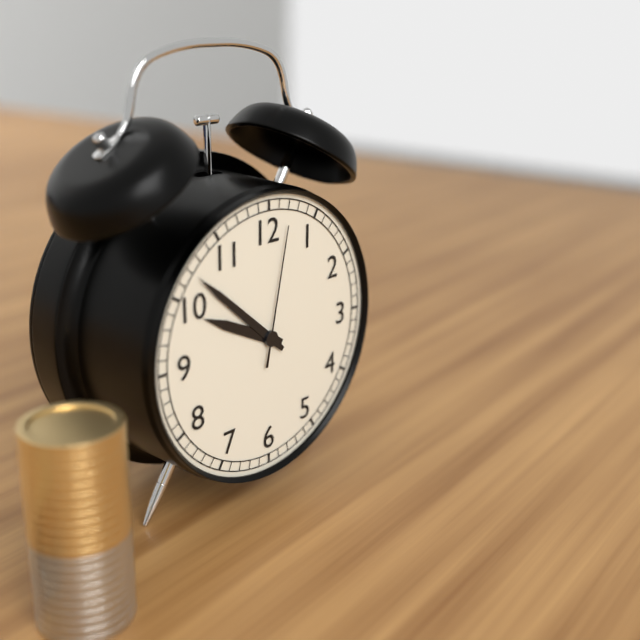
**9:52:02**
